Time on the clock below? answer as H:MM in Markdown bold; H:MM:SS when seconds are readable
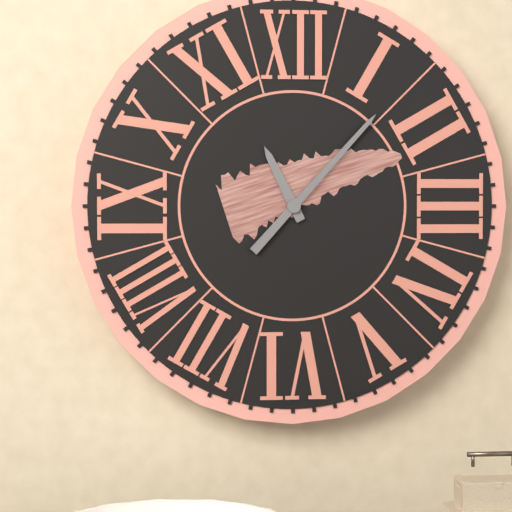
**11:07**
